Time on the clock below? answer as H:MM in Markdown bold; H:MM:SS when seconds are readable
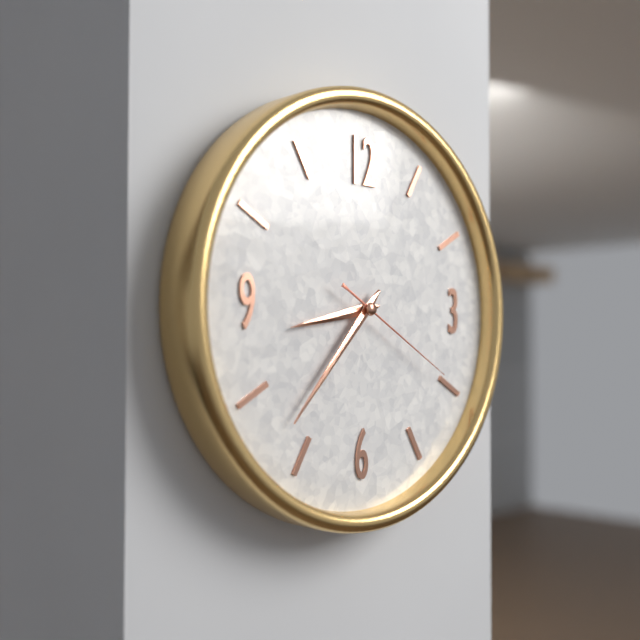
**8:37:20**
